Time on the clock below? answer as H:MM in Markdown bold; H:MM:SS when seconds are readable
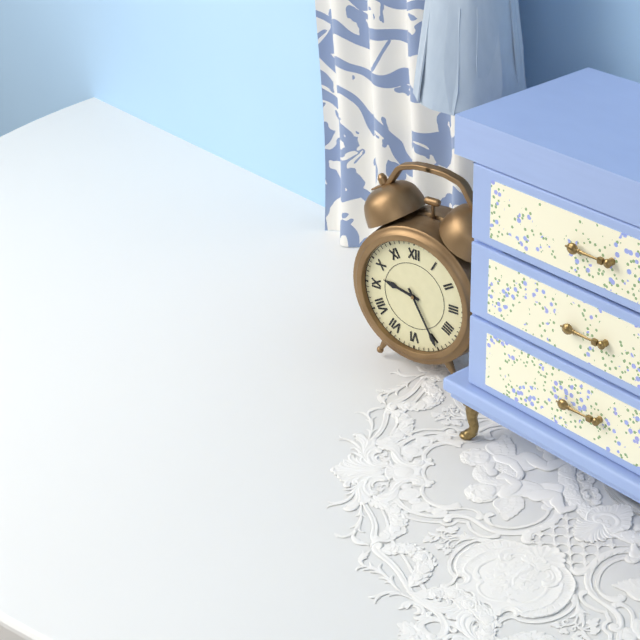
**9:25**
